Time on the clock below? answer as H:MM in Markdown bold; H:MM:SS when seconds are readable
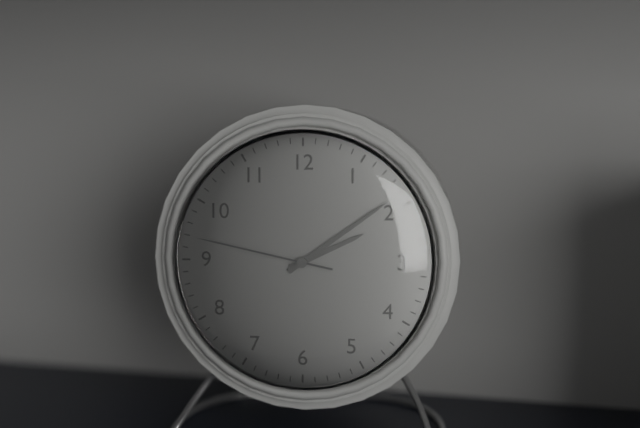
**2:09:47**
